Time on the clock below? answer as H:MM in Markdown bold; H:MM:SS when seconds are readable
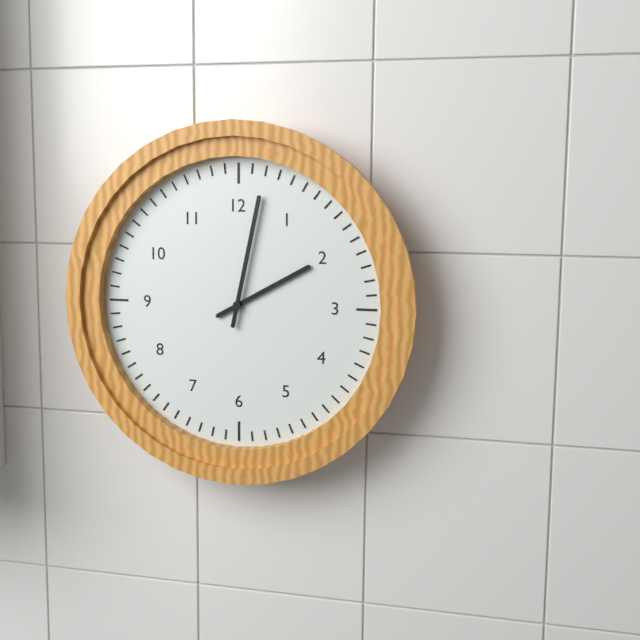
**2:02**
